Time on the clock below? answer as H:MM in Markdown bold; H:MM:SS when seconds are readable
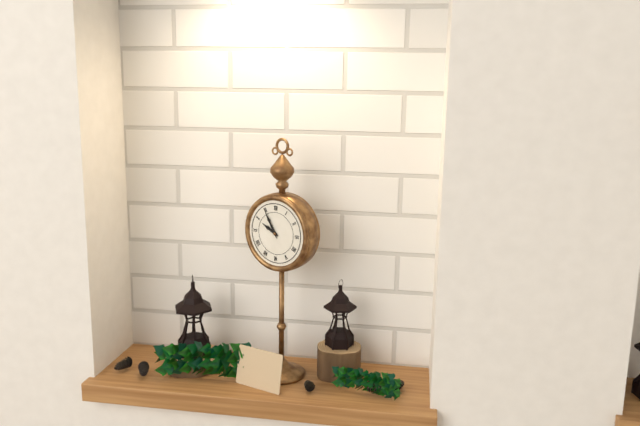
**9:55**
